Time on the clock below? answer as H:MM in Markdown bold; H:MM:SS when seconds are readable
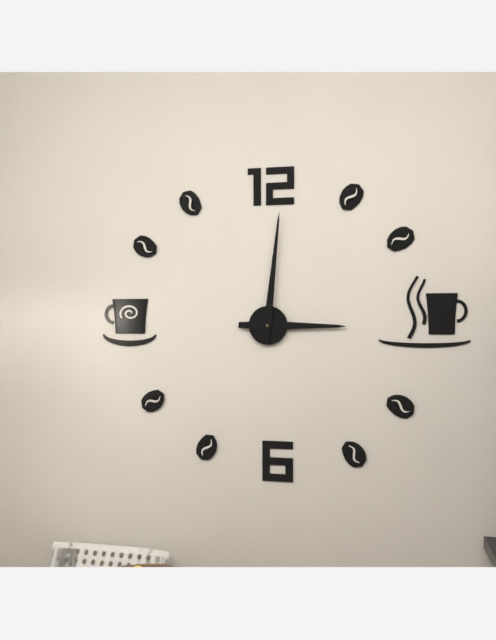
**3:01**
